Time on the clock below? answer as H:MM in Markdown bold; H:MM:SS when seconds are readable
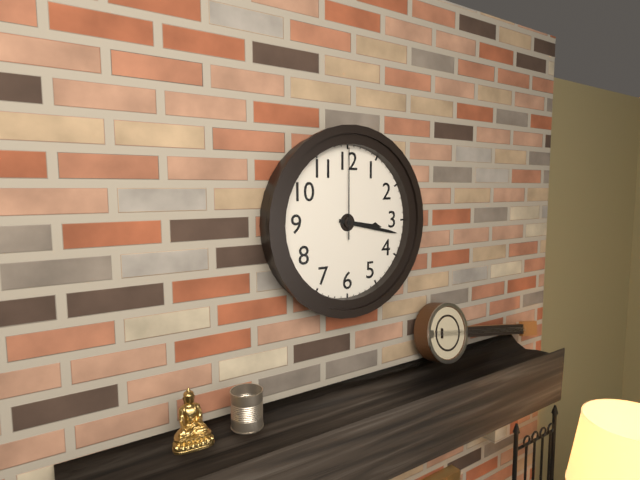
**3:17:00**
